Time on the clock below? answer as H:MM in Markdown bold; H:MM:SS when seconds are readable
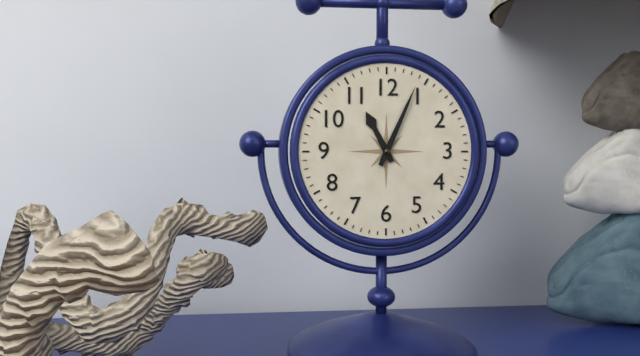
**11:04**
